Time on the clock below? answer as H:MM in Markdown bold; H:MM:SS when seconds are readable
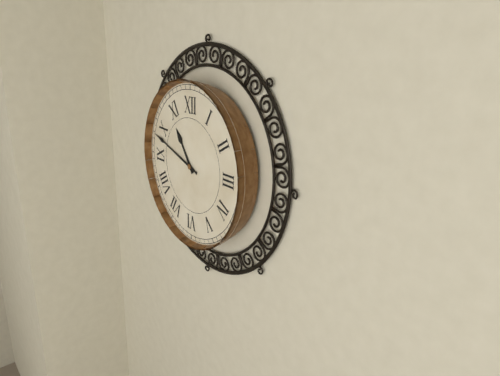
**10:48**
